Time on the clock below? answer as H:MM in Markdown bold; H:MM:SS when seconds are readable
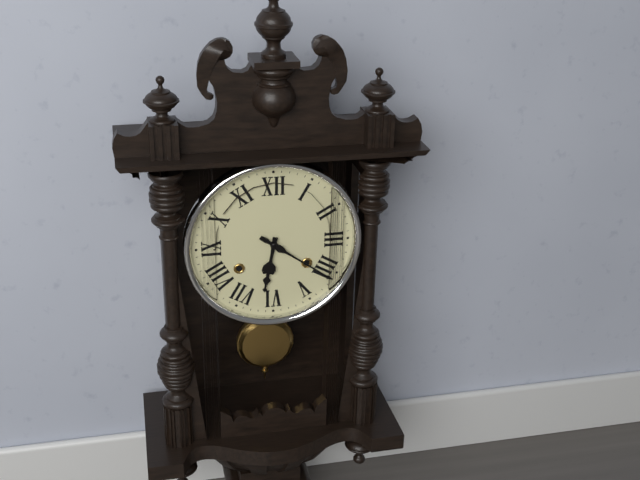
**6:21**
